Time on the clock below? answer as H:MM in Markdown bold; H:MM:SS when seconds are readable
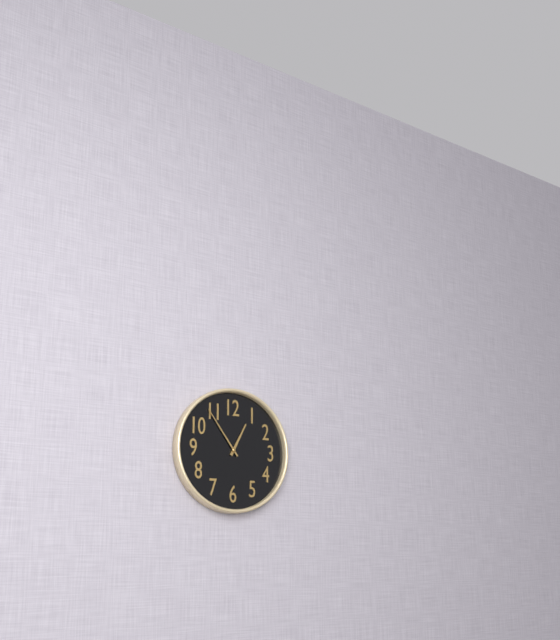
**12:54**
